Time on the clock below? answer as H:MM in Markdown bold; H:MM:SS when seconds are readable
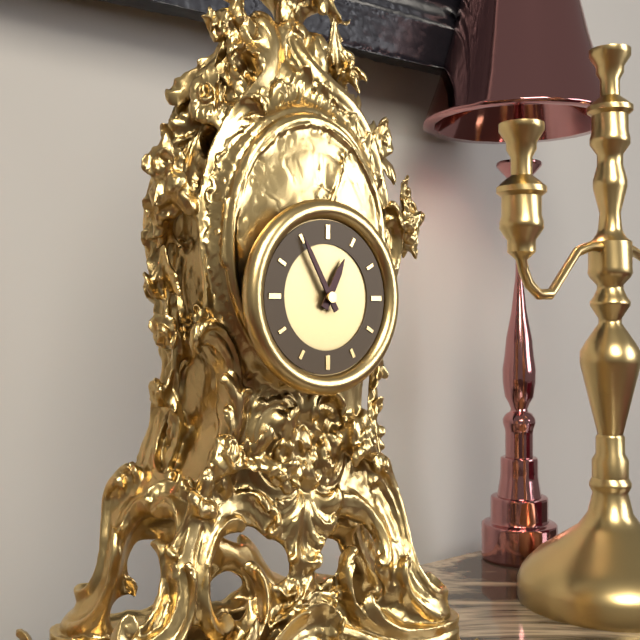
**12:55**
